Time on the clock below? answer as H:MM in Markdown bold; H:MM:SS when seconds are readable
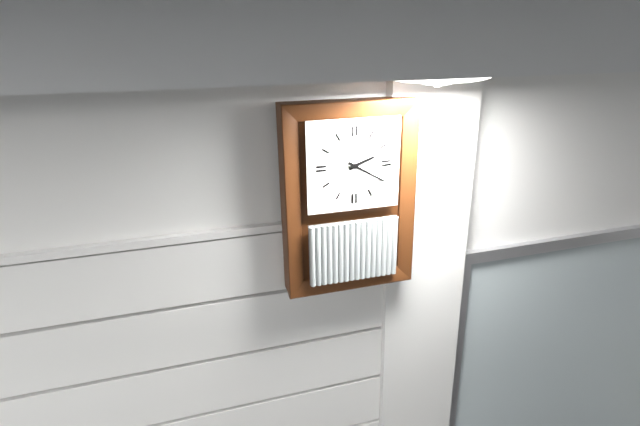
**2:20**
